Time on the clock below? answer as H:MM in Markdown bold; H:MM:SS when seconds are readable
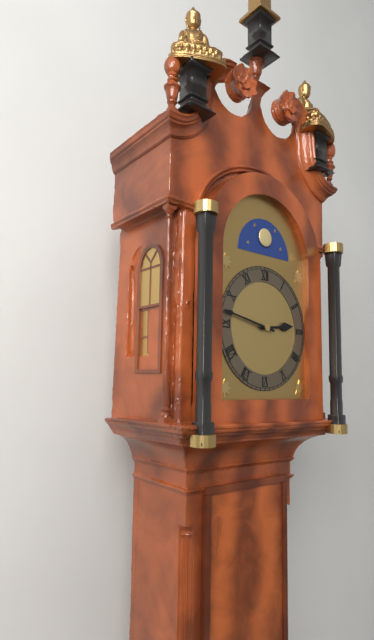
**2:47**
